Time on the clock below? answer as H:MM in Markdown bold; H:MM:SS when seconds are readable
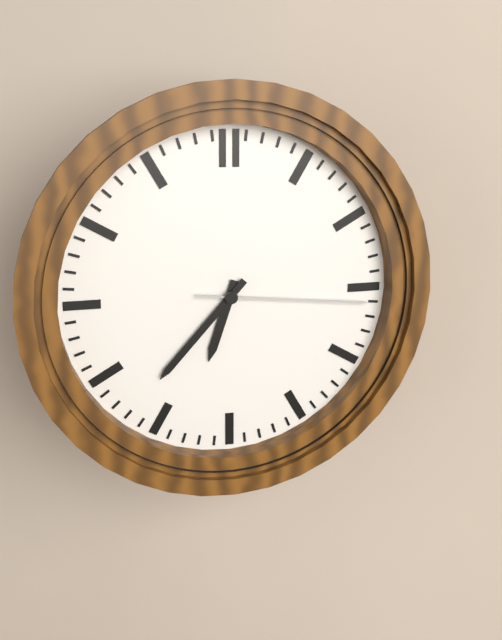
**6:37:16**
